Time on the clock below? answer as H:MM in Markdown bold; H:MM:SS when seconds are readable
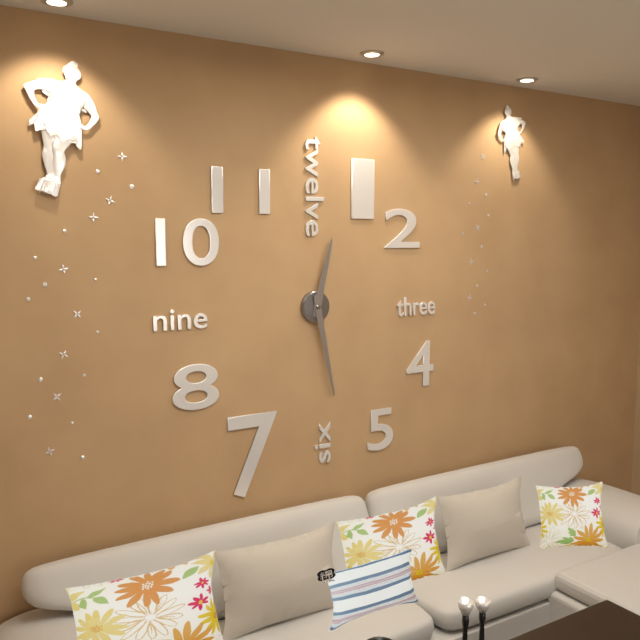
**12:28**
